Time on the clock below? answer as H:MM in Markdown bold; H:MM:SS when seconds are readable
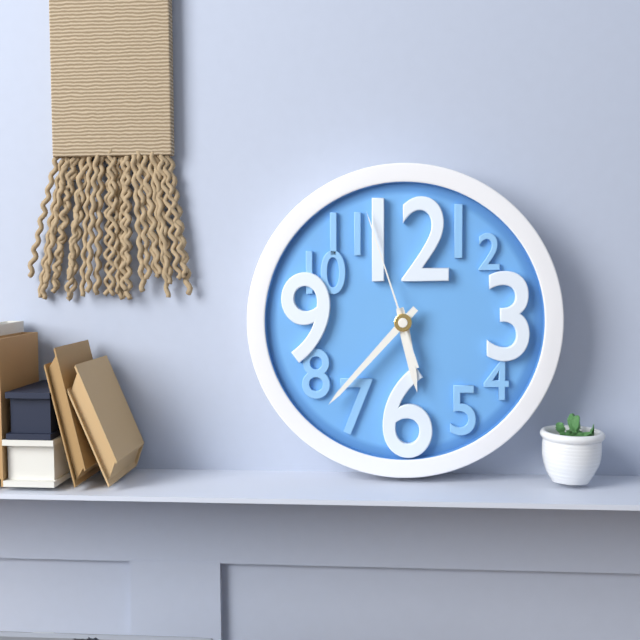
**5:37:57**
